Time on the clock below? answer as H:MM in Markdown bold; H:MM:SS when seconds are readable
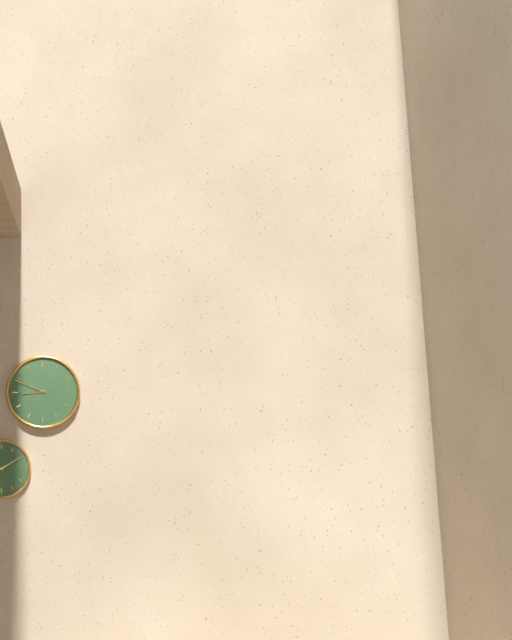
**8:49**
